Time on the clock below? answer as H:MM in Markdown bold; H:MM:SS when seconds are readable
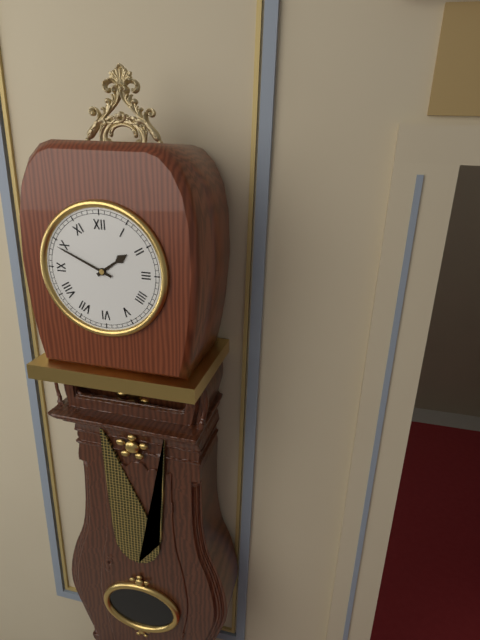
**1:49**
